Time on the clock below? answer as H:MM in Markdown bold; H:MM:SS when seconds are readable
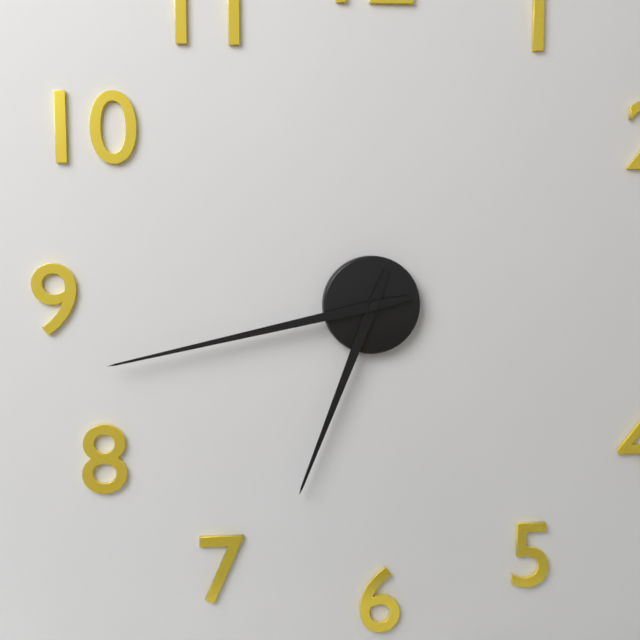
**6:43**
